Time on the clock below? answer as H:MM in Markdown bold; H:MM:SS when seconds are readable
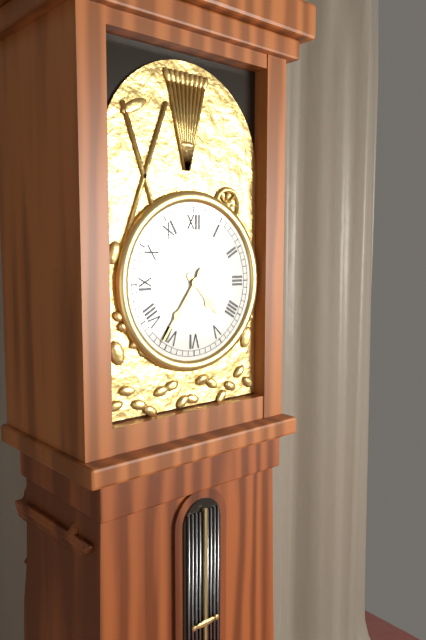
**4:36**
